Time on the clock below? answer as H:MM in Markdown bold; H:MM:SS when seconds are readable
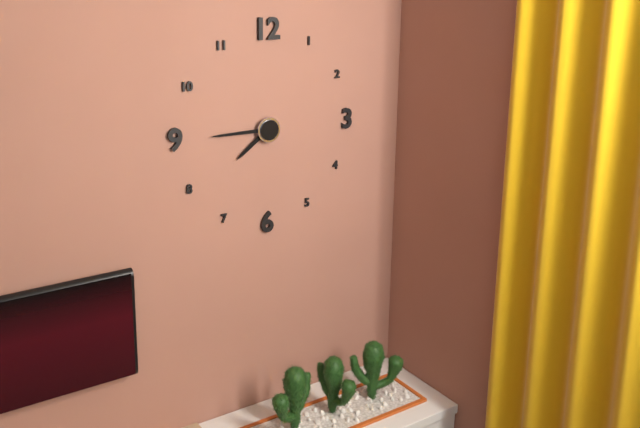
**7:45**
